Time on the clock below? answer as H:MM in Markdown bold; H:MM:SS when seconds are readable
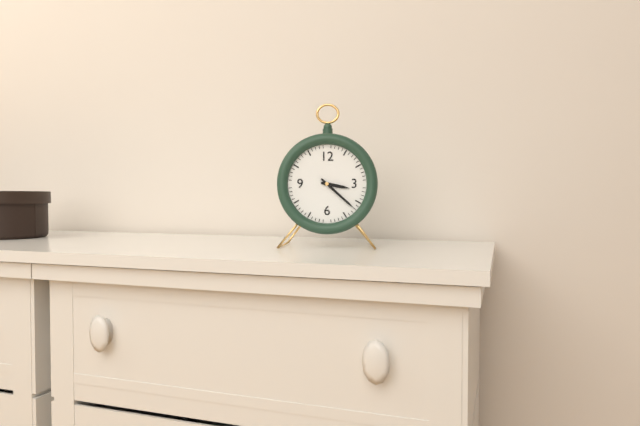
**3:22**
